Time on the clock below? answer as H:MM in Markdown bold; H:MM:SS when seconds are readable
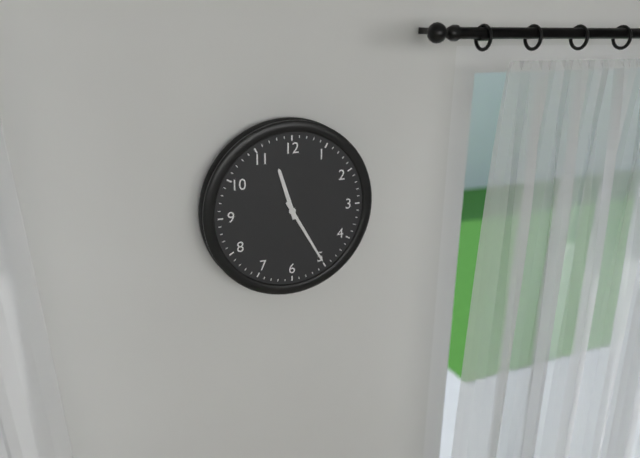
**11:25**
